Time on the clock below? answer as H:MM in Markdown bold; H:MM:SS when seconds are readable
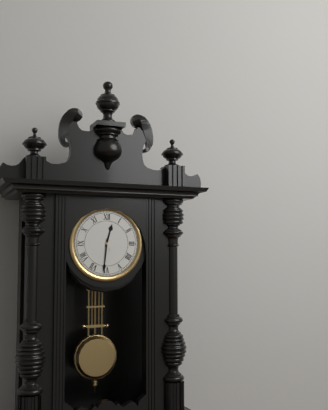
**12:31**
